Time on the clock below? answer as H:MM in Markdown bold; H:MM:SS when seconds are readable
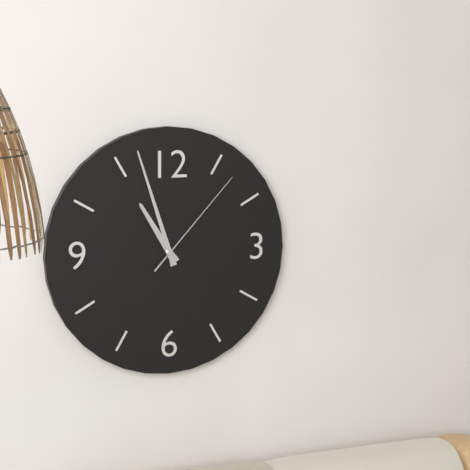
**10:57:07**
